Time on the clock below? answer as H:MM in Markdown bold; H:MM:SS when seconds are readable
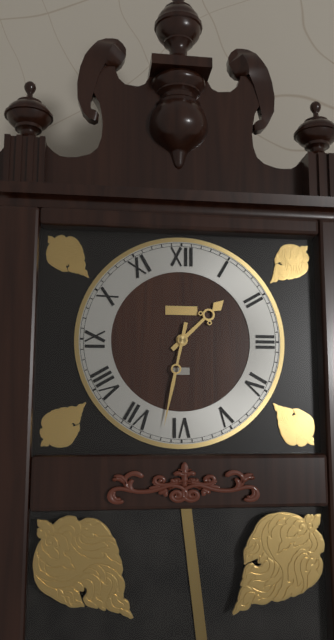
**1:32**
